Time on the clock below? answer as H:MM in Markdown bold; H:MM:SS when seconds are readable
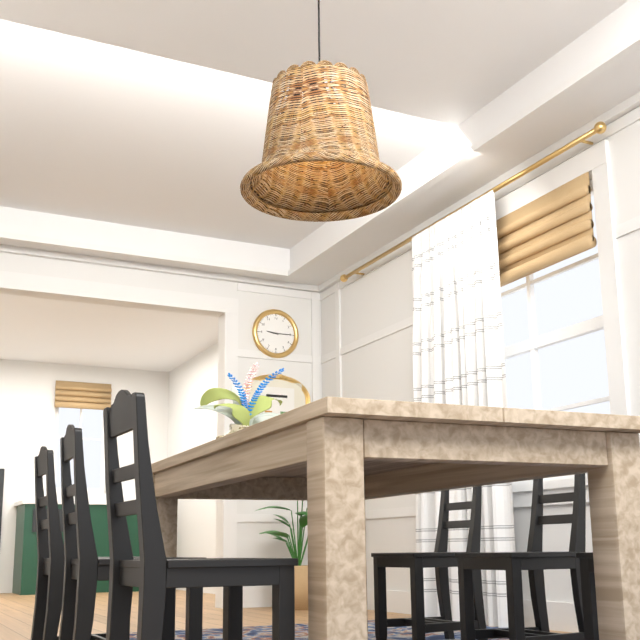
**9:15**
